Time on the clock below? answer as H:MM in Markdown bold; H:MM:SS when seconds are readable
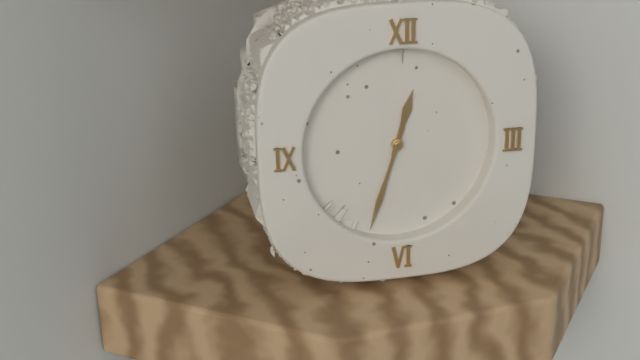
**12:33**
